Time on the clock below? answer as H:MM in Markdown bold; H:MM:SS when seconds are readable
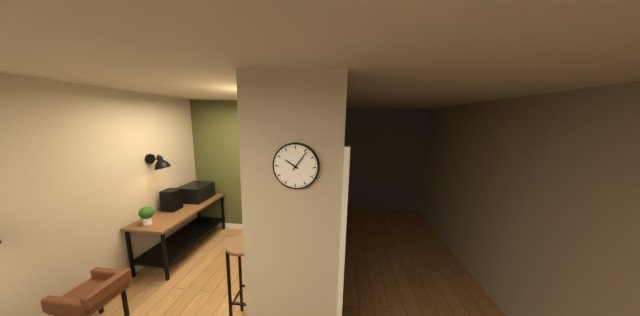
**10:06**
